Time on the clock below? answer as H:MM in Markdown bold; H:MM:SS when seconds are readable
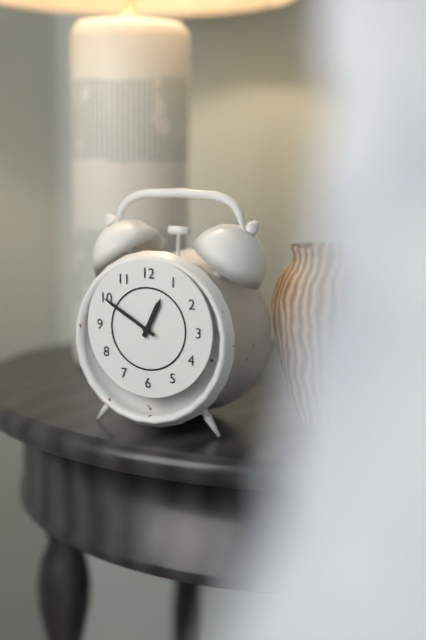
**12:50**
